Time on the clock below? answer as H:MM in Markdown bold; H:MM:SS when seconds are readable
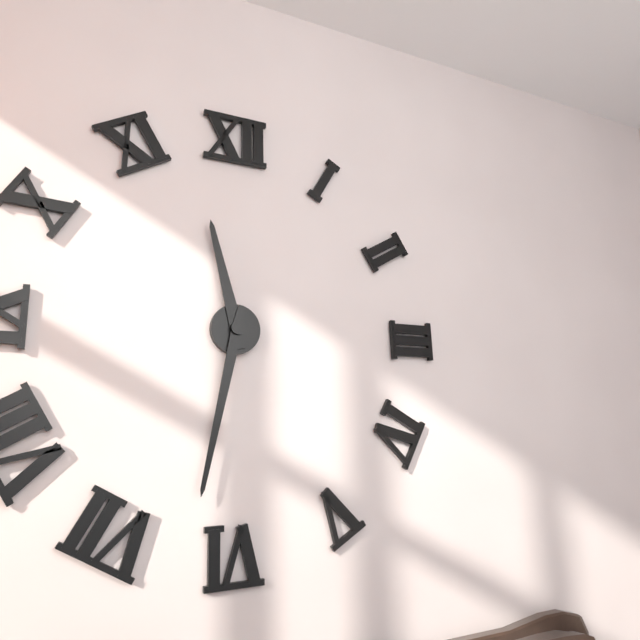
**11:32**
